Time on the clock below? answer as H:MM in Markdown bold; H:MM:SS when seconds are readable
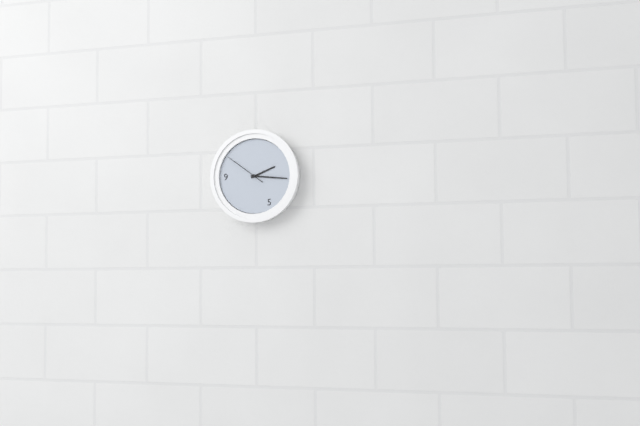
**2:16**
